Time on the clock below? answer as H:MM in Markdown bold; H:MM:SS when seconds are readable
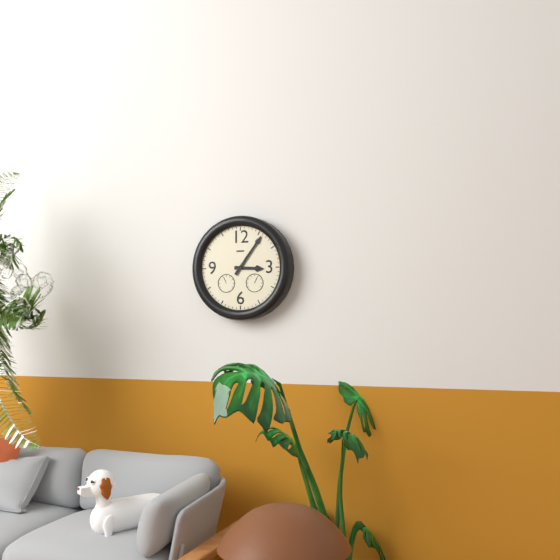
**3:06**
